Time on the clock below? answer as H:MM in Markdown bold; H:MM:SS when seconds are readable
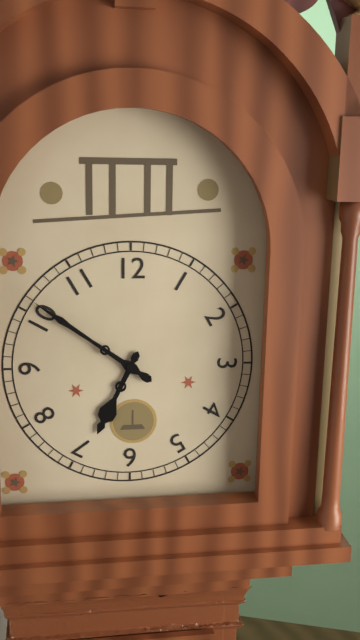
**6:51**
